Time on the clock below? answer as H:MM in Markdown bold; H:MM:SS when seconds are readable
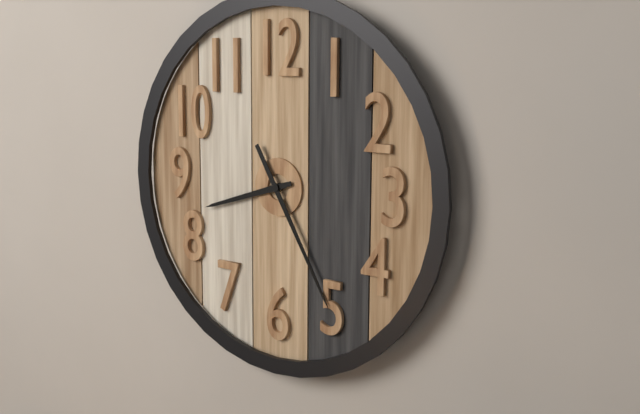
**8:25**
